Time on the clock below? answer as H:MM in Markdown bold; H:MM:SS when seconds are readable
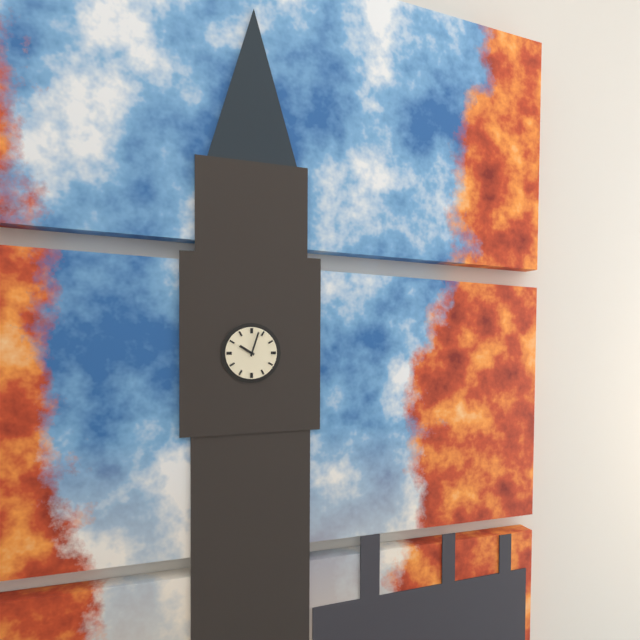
**10:03**
